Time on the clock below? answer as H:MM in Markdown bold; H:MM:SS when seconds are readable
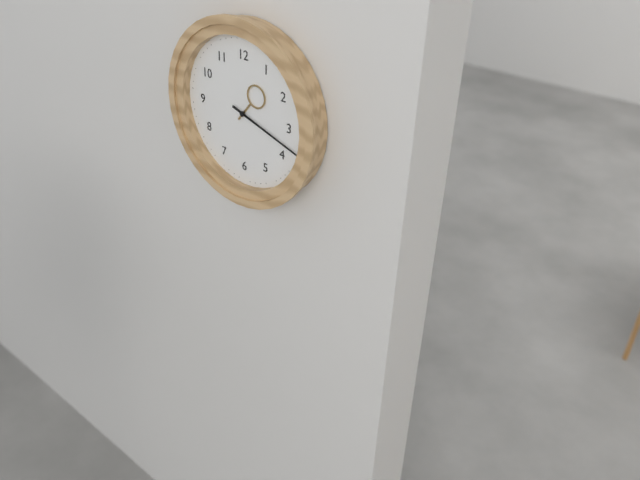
**1:18**
